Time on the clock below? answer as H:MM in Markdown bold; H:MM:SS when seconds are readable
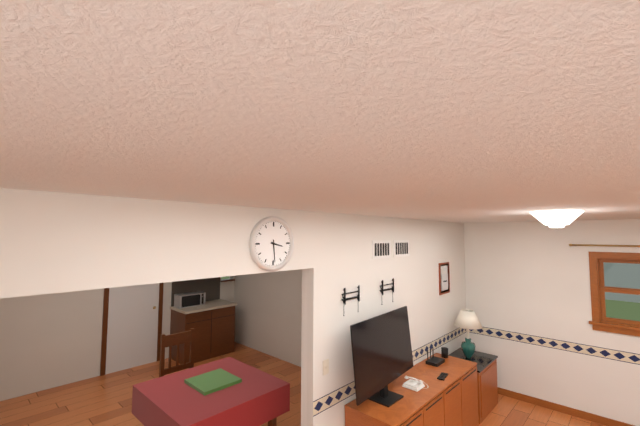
**3:29**
